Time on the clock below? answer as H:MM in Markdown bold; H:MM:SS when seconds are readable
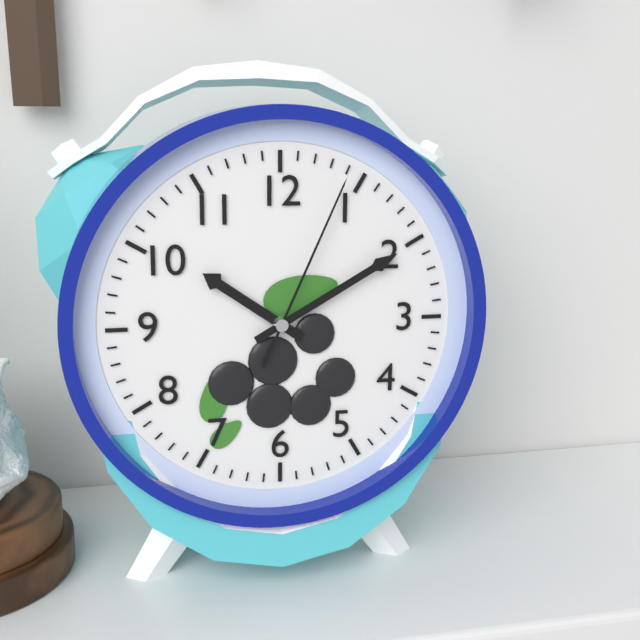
**10:10:04**
